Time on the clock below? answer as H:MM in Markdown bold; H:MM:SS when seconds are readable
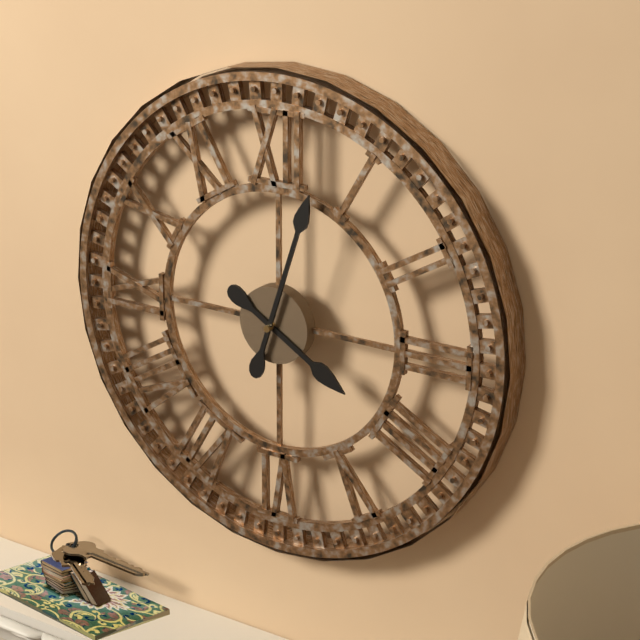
**4:03**
